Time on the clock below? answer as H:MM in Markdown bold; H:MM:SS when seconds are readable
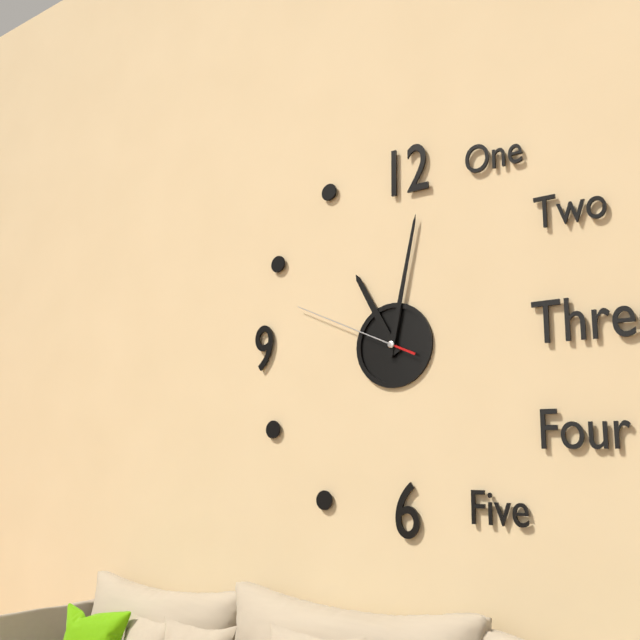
**11:02:49**
